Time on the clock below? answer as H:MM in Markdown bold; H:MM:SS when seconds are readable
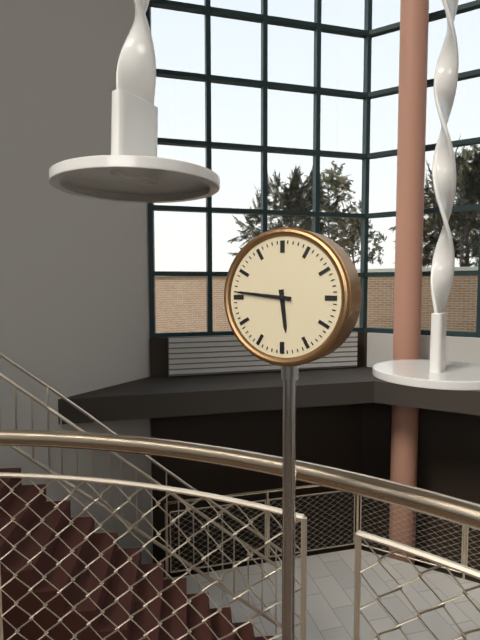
**5:46**
